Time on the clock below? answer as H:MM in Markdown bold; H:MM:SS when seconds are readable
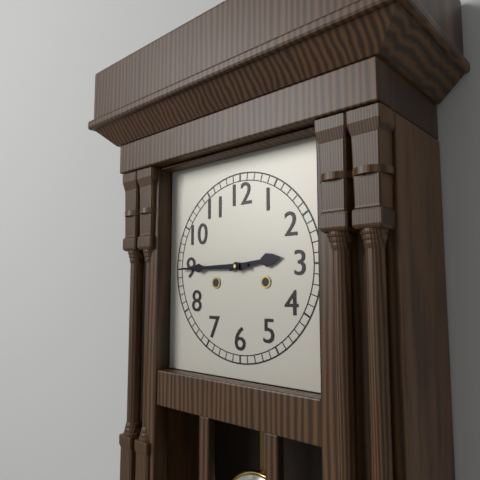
**2:45**
